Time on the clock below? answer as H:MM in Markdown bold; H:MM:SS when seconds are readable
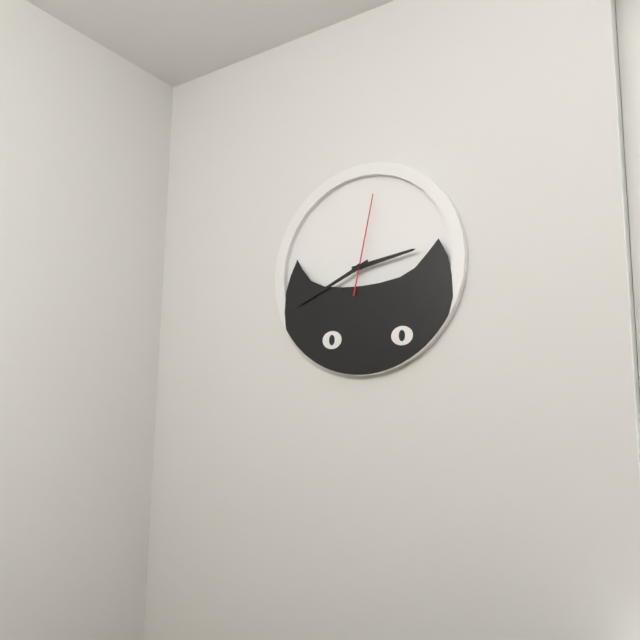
**2:41:02**
